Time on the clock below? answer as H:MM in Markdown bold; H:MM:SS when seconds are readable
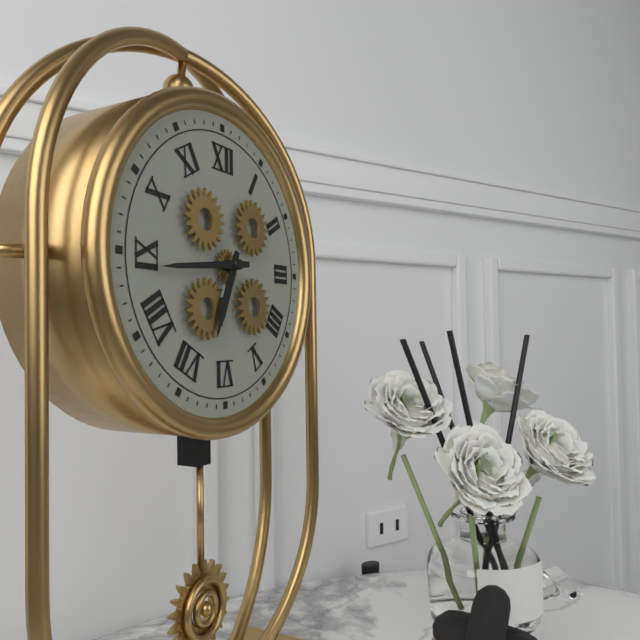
**6:44**
